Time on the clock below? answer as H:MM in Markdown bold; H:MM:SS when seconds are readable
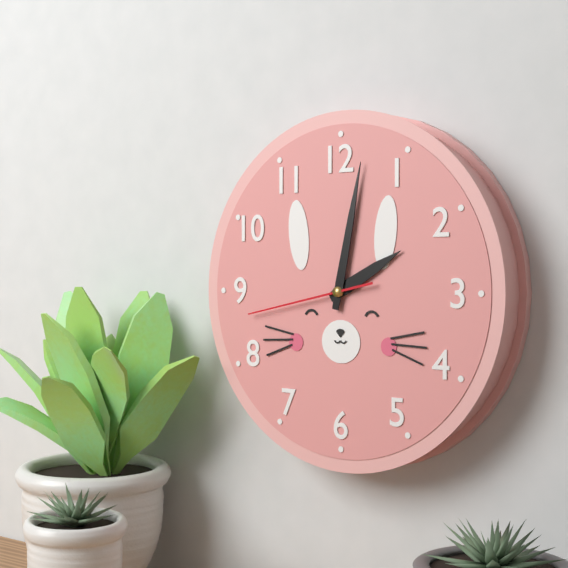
**2:02:43**
